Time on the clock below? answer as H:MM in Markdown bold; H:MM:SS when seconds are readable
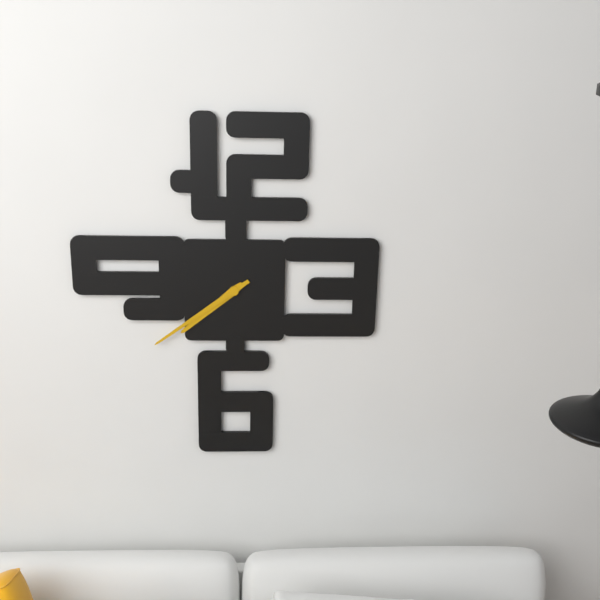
**7:39**
